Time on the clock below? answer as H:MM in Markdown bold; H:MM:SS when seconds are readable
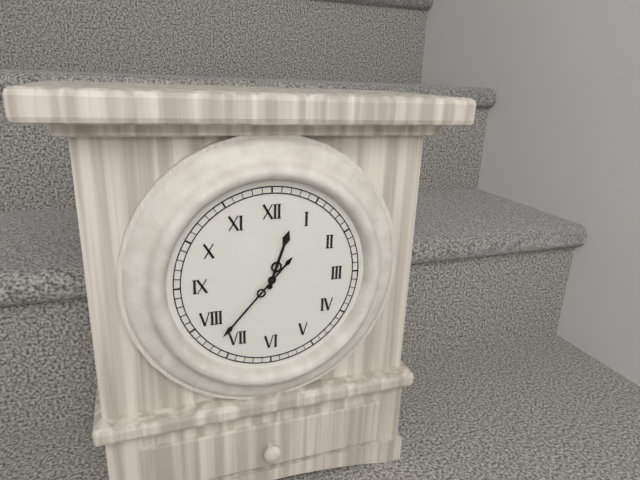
**12:37**
